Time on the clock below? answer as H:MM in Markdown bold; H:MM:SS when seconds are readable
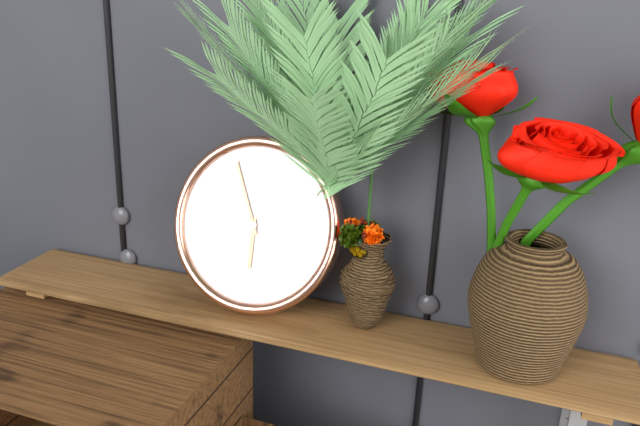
**5:56**
